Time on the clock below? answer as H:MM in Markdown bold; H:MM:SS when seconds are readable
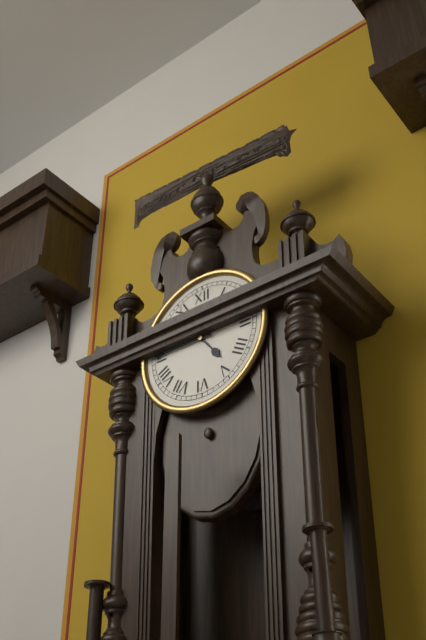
**4:45**
